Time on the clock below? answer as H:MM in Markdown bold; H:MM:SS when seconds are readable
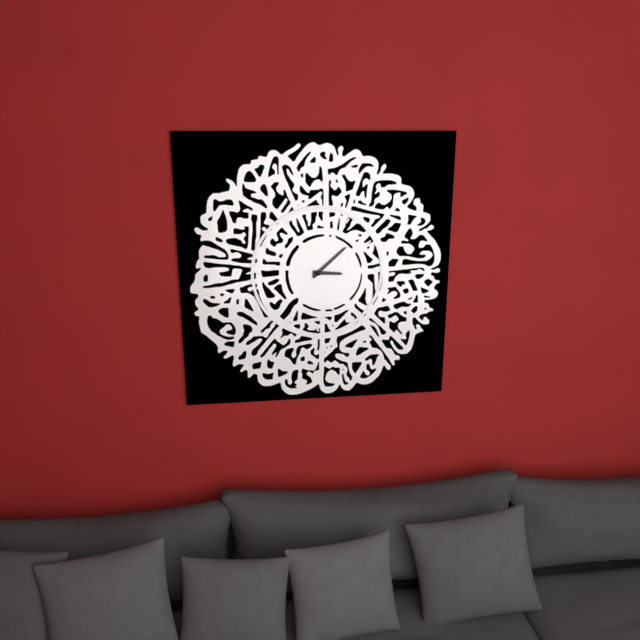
**3:08**
